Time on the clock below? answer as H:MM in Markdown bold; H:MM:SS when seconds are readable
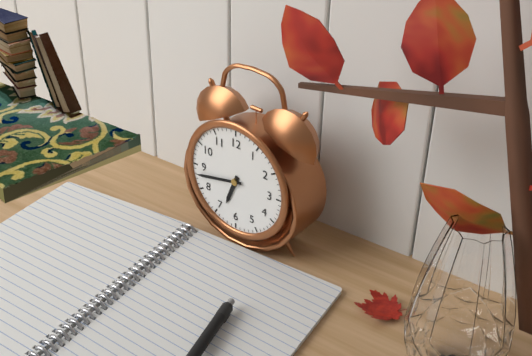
**6:43**
